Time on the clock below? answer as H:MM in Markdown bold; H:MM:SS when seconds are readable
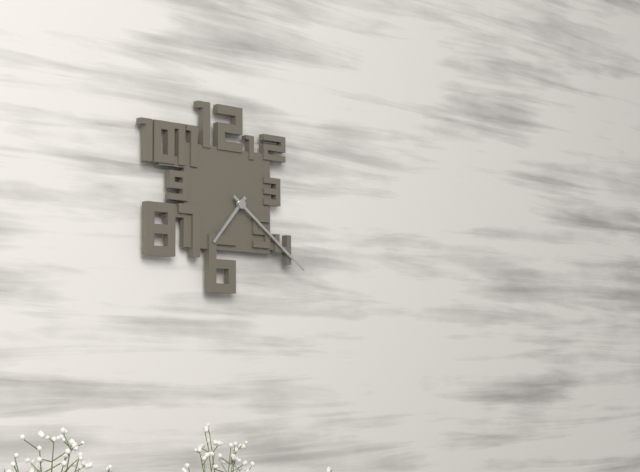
**7:21**
